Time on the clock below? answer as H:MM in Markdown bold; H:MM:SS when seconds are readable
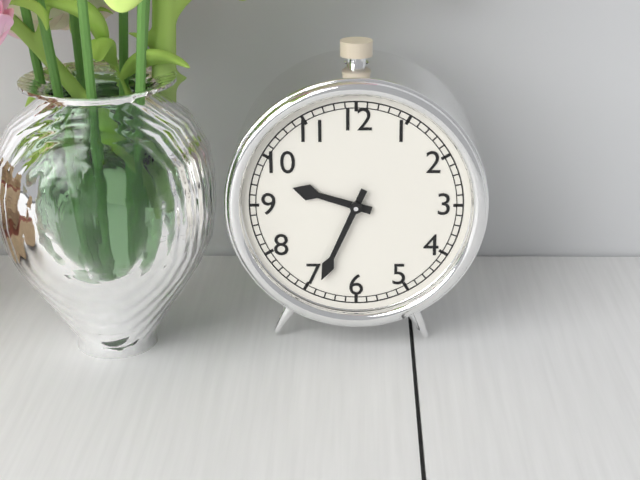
**9:34**
